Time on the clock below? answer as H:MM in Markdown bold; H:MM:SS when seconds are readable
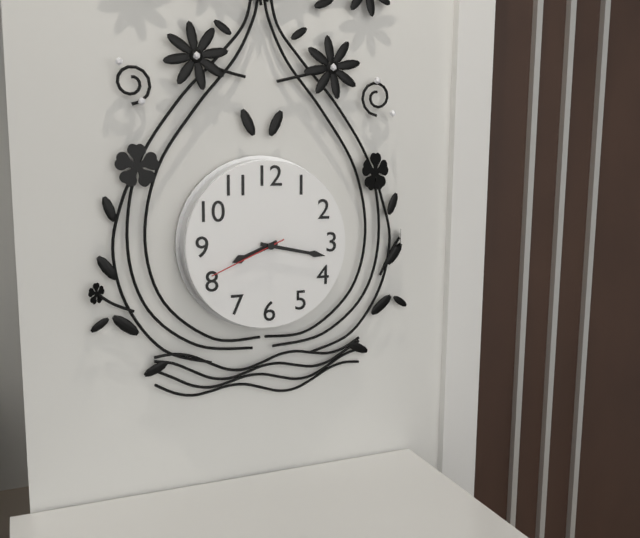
**8:17:41**
